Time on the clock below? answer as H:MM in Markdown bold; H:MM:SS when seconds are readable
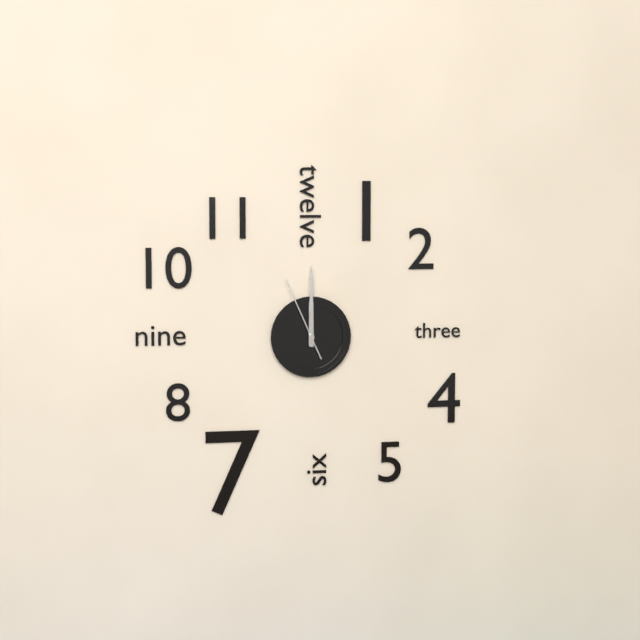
**12:00:56**
